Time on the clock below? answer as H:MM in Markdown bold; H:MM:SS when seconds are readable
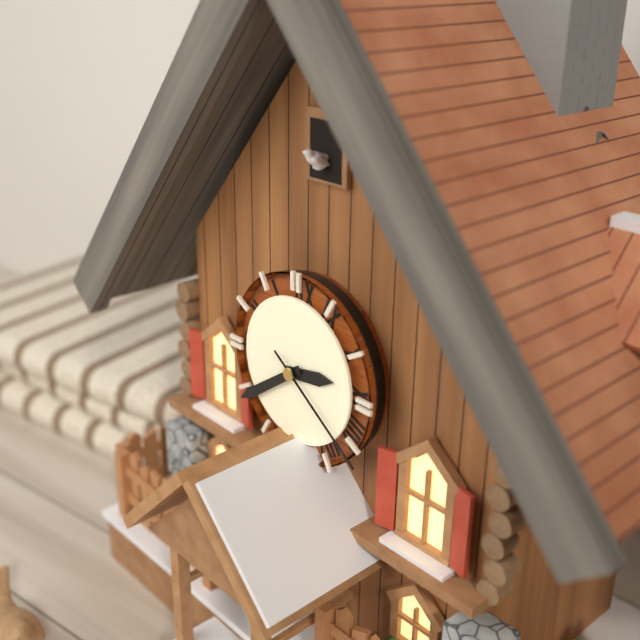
**2:39:21**
